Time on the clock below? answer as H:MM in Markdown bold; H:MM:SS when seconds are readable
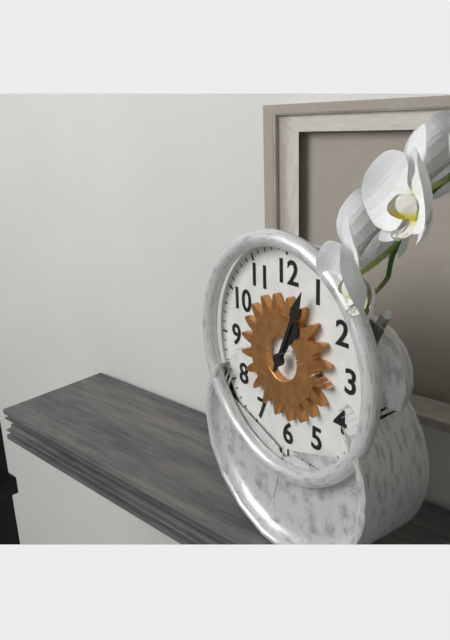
**1:04**
